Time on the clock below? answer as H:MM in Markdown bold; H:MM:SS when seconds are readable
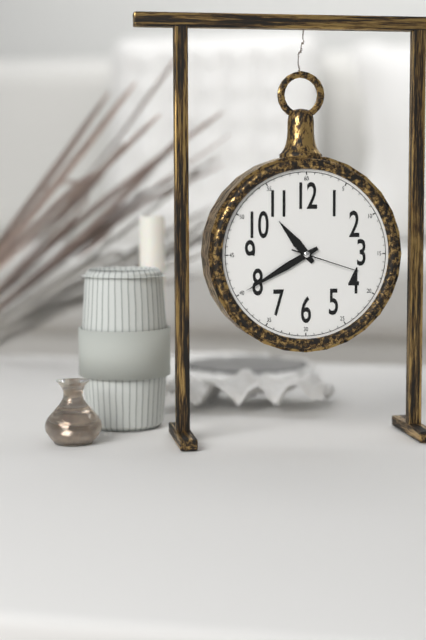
**10:40:18**
